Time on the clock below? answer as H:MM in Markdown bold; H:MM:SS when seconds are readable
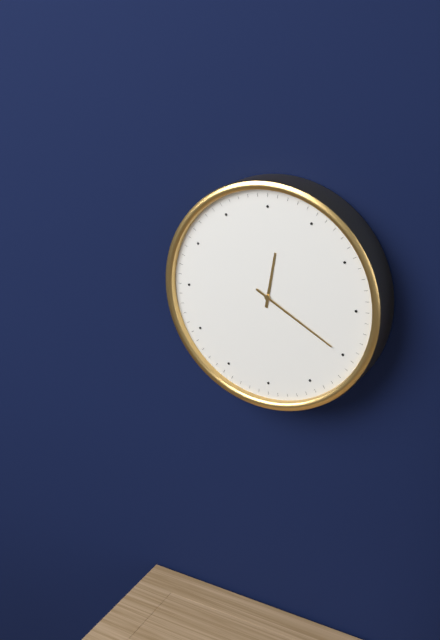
**12:20**
